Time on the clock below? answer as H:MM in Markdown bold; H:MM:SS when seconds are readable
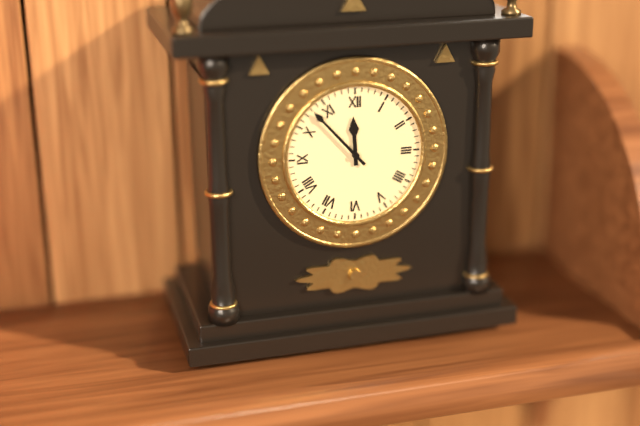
**11:53**
